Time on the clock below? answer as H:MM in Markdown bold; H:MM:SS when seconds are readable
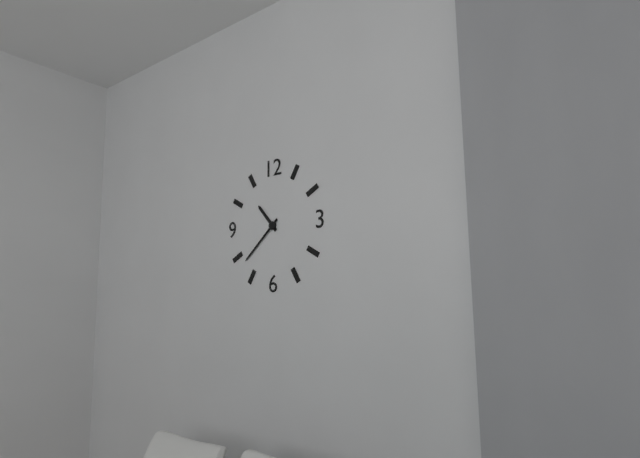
**10:38**
